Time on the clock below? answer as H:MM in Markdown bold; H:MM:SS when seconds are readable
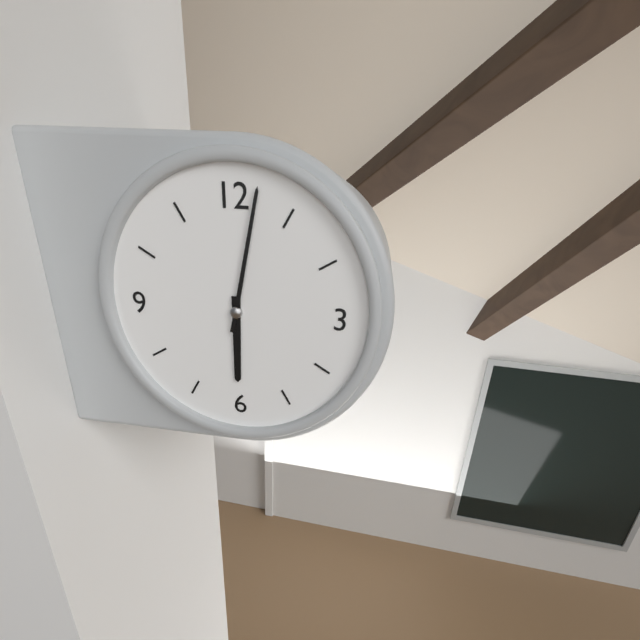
**6:02**
